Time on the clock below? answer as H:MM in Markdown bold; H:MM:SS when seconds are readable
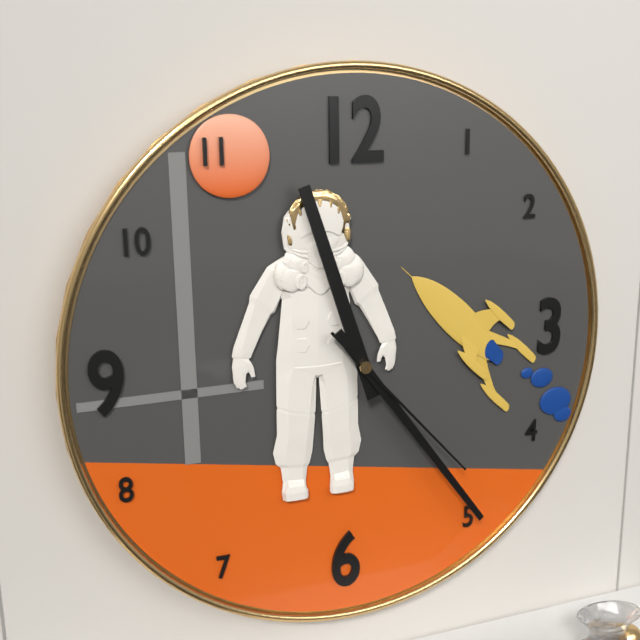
**11:24:23**
